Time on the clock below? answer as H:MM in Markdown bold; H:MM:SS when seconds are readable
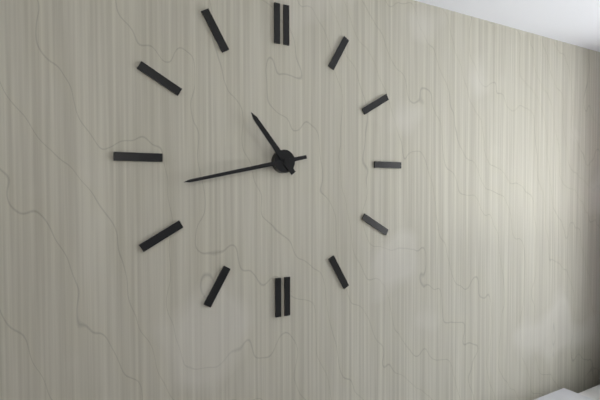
**10:43**
